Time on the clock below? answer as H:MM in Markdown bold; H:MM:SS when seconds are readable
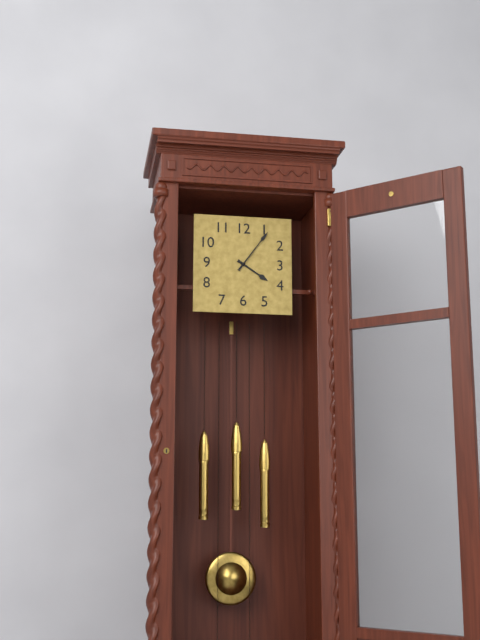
**4:06**
